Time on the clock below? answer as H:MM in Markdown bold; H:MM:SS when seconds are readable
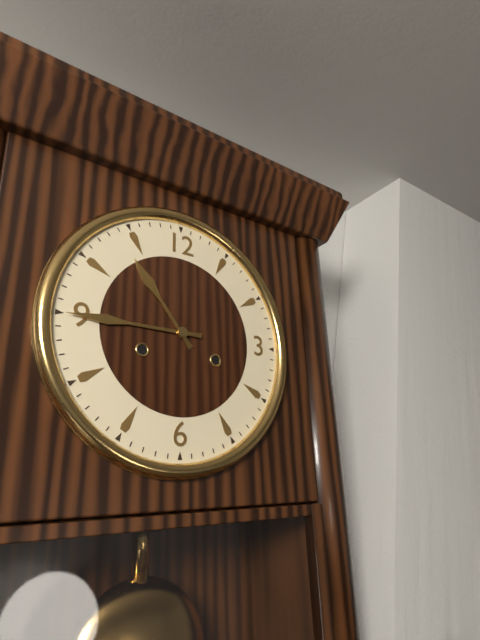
**10:45**
